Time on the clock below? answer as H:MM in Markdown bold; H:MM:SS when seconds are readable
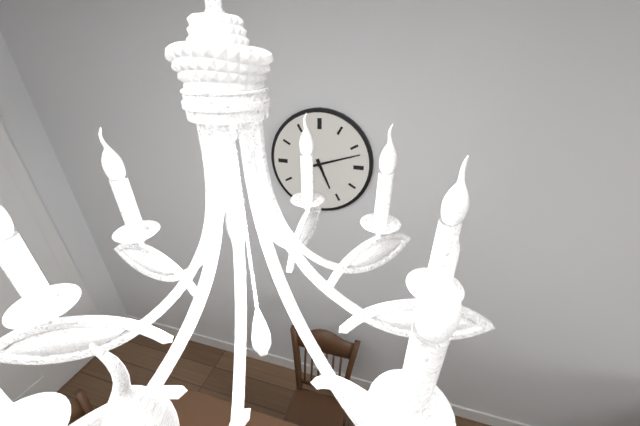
**5:12**
